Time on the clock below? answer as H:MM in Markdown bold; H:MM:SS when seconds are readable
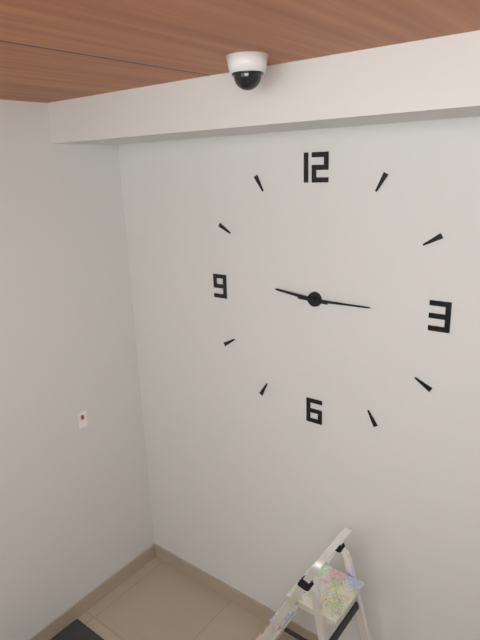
**9:15**
